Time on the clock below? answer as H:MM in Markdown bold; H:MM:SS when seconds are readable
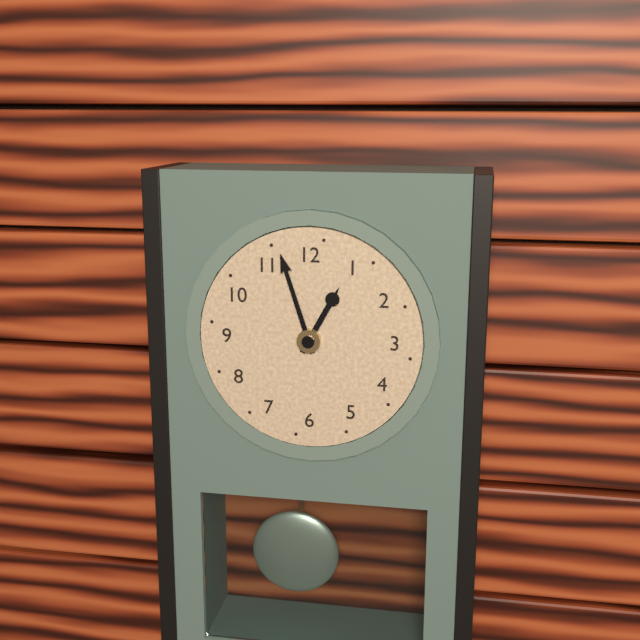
**12:57**
